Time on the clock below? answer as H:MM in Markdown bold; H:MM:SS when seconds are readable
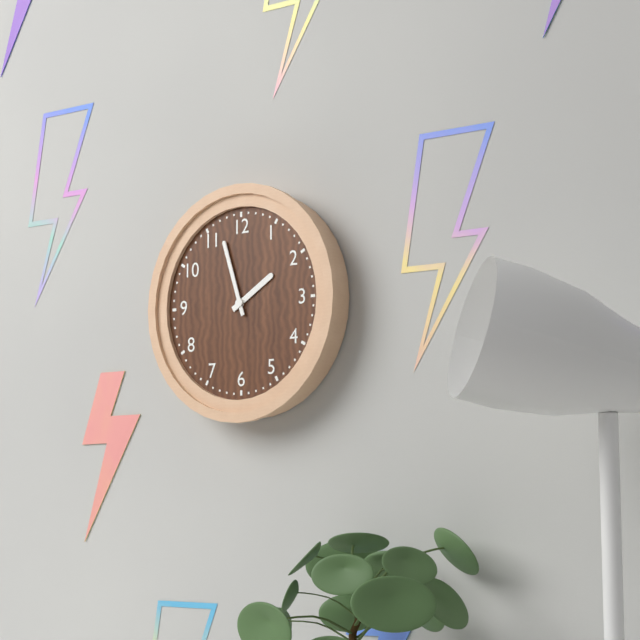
**1:57**
